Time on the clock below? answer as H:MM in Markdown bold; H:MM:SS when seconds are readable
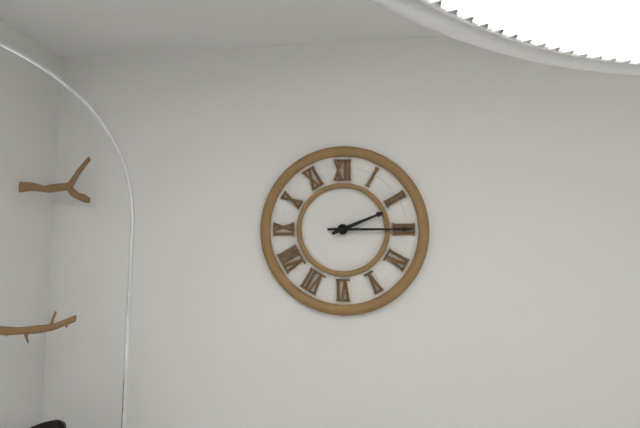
**2:15**
